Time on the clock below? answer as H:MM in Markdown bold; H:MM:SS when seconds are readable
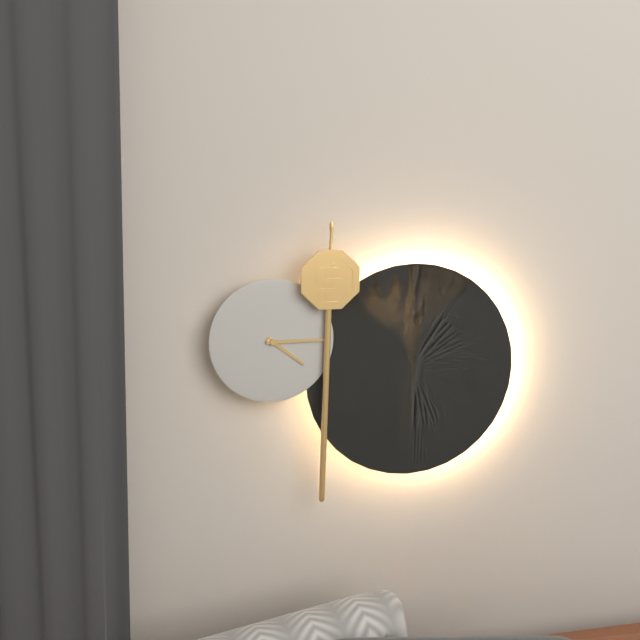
**4:15**
